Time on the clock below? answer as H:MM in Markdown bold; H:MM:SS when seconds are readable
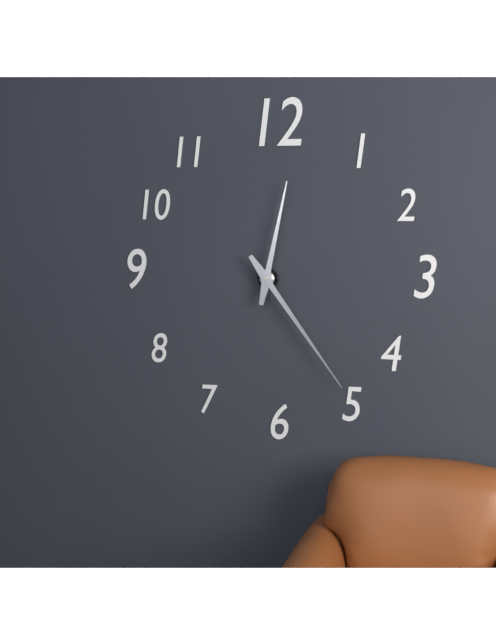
**12:24**
